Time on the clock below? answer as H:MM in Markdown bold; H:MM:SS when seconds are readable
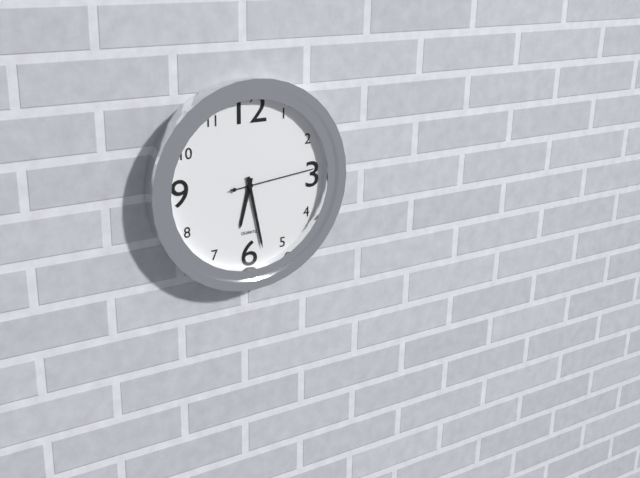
**6:28:14**
